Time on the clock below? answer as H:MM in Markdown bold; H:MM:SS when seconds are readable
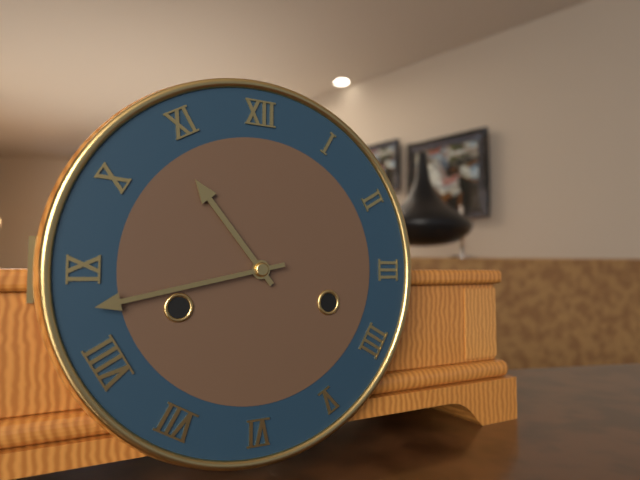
**10:43**
